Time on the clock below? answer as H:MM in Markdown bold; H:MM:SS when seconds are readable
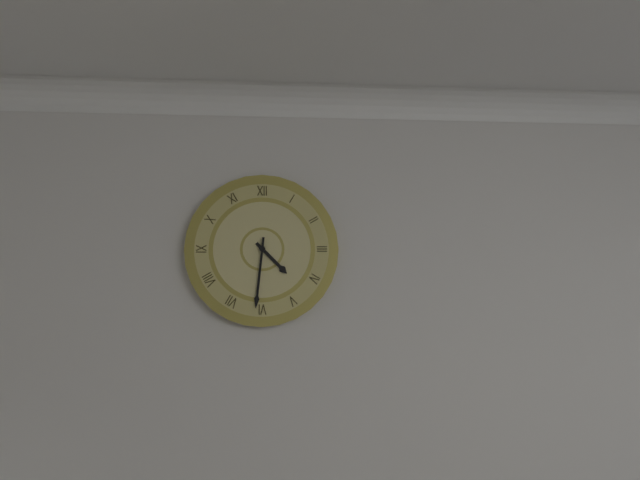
**4:31**
